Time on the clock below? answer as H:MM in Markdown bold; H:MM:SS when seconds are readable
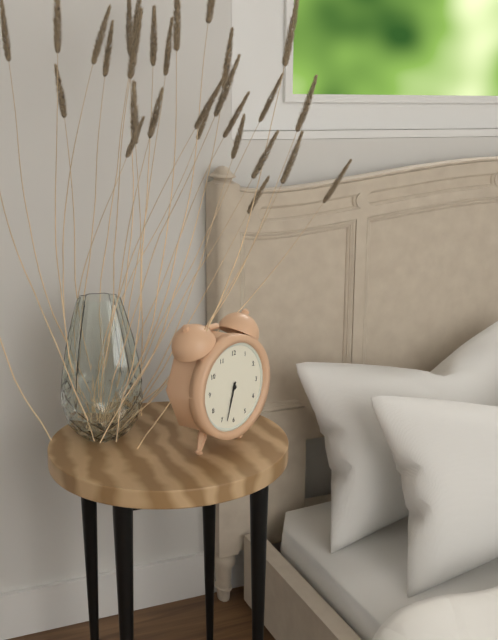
**6:33**
